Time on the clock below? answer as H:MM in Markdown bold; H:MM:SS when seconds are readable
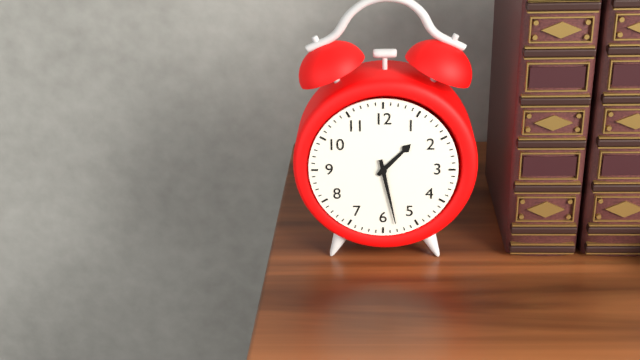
**1:28**
